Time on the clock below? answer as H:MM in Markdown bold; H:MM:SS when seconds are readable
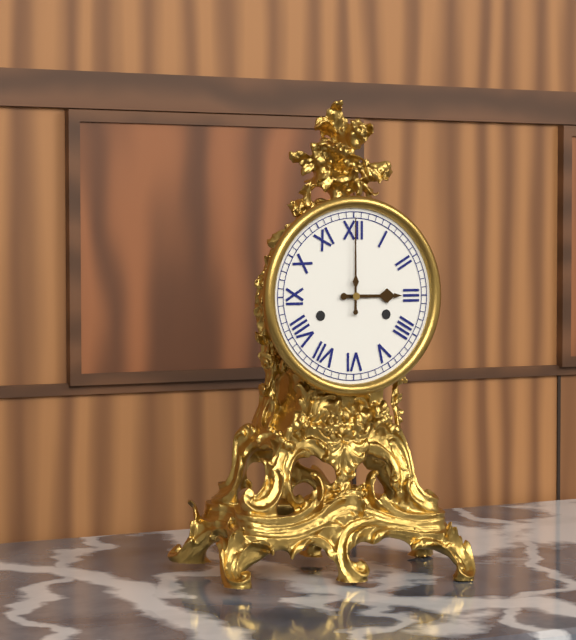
**3:00**
